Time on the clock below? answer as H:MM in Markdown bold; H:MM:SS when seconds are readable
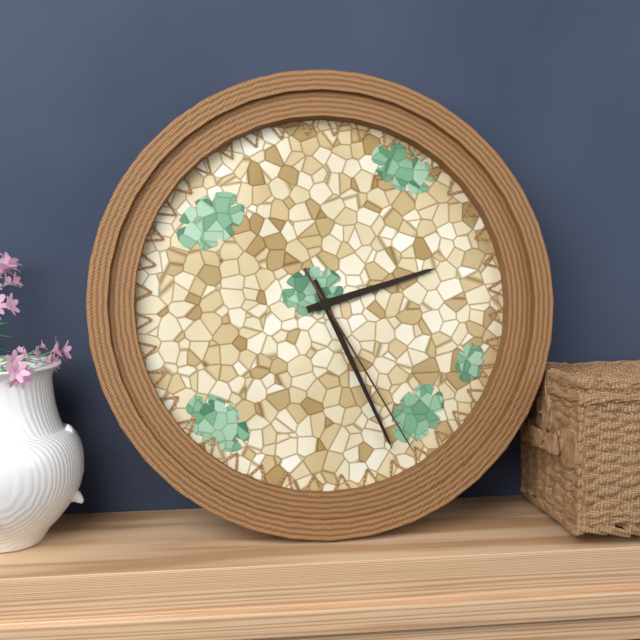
**2:26:25**
